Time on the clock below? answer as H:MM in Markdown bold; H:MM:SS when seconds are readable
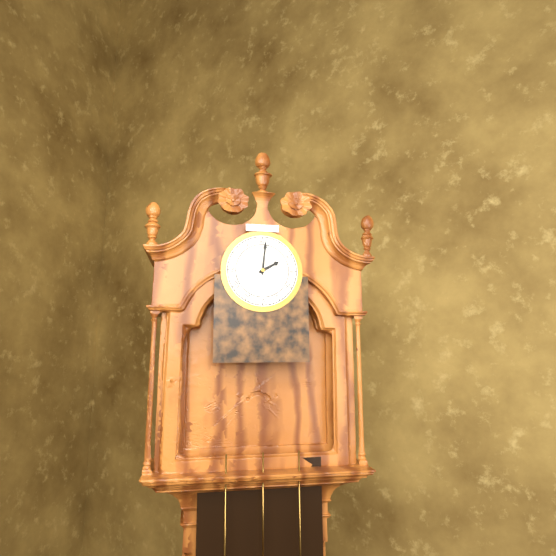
**2:01**
